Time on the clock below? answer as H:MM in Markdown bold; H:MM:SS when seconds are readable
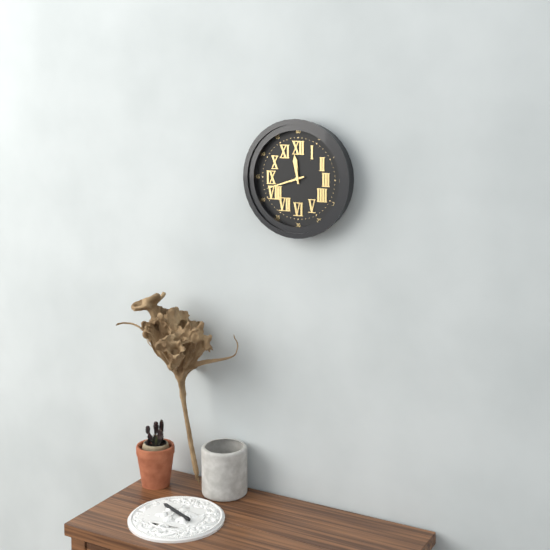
**11:42**
